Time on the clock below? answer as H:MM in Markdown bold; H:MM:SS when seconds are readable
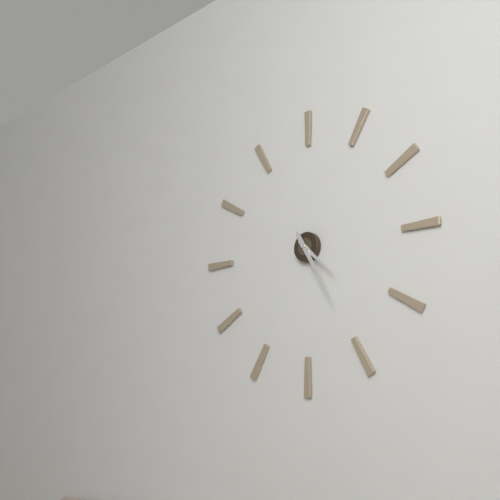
**4:25**
